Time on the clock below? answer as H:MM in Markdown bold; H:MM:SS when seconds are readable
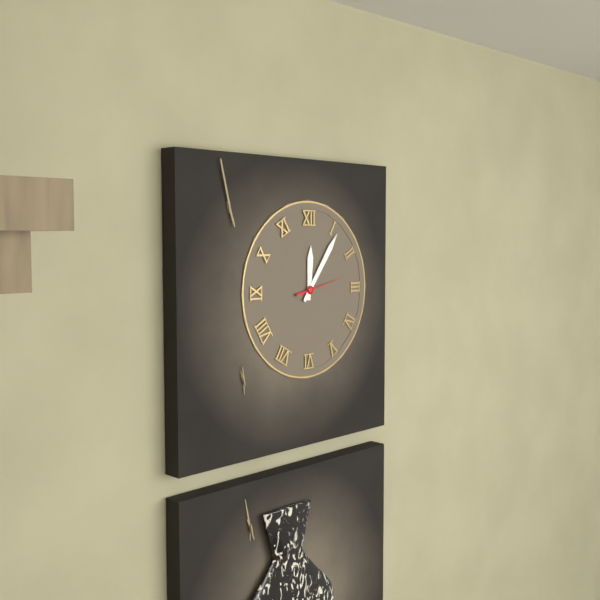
**12:06:13**
